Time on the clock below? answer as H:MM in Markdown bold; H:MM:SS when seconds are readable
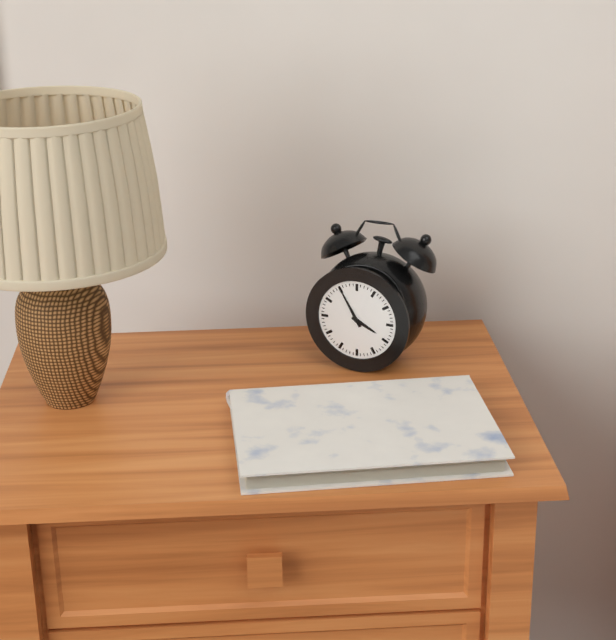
**3:55**
